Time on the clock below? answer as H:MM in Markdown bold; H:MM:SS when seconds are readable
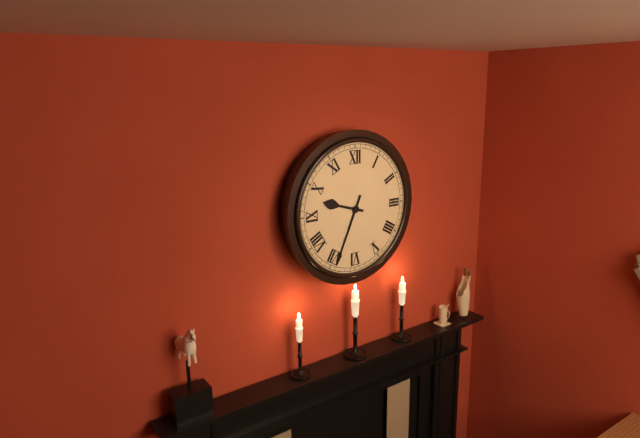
**9:34**
